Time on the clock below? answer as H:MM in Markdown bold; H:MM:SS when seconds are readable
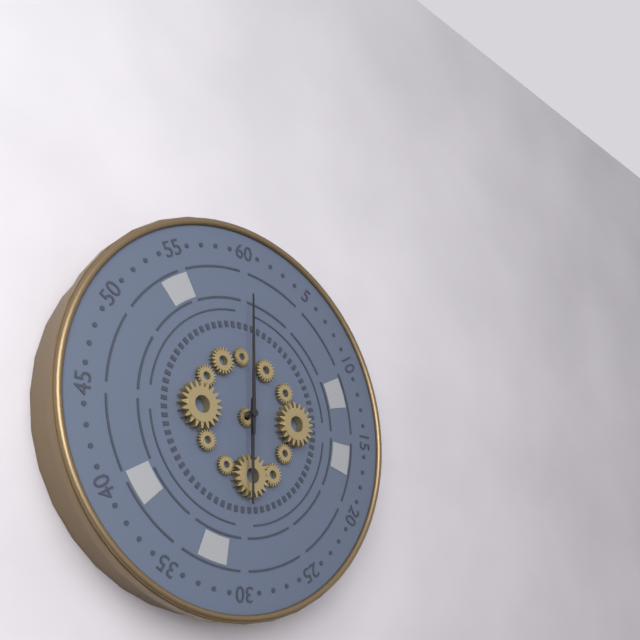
**6:00**
